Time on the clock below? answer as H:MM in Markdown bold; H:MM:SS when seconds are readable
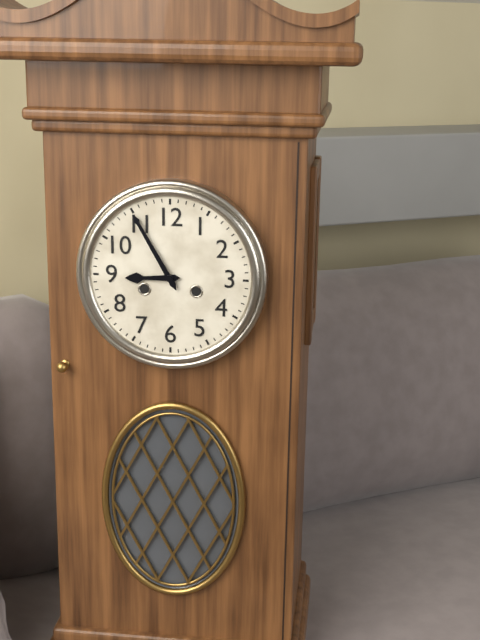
**8:55**
